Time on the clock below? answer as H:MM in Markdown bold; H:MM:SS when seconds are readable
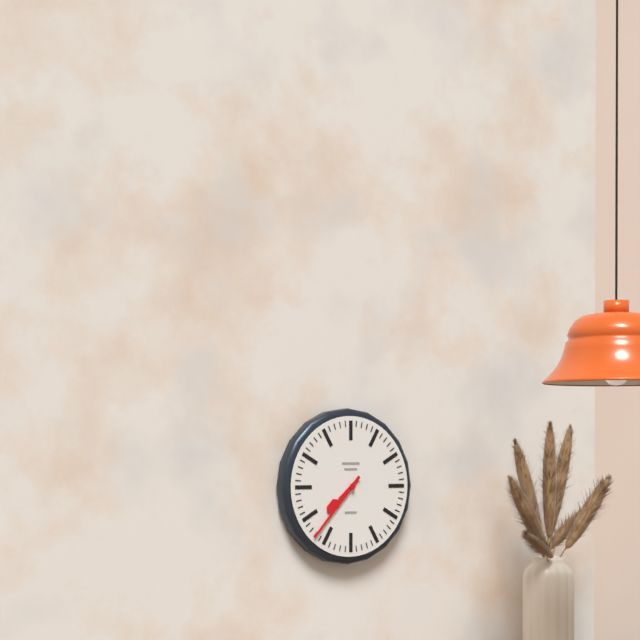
**7:37**
